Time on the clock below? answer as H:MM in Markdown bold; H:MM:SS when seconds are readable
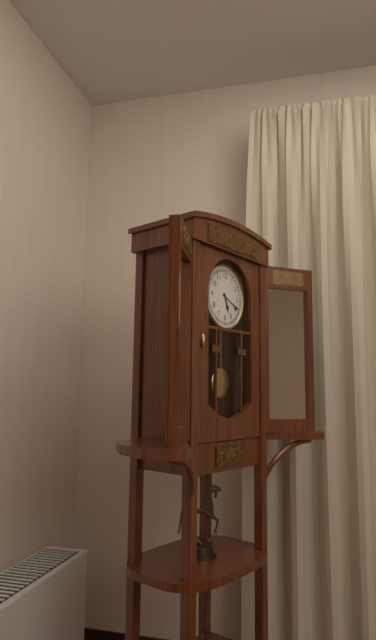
**5:19**
